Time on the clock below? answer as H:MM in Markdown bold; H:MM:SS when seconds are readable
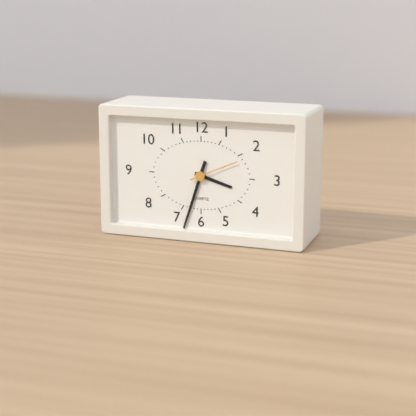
**3:33**
